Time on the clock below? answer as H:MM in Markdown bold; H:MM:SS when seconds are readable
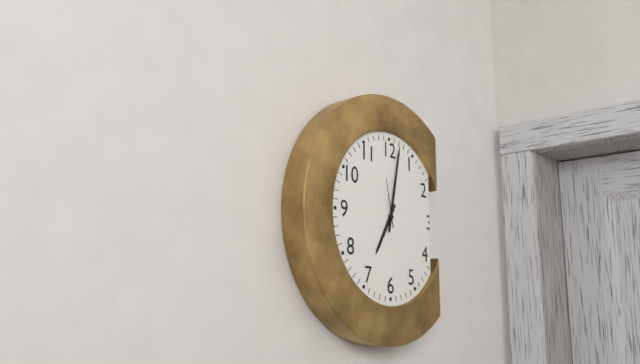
**7:02**
